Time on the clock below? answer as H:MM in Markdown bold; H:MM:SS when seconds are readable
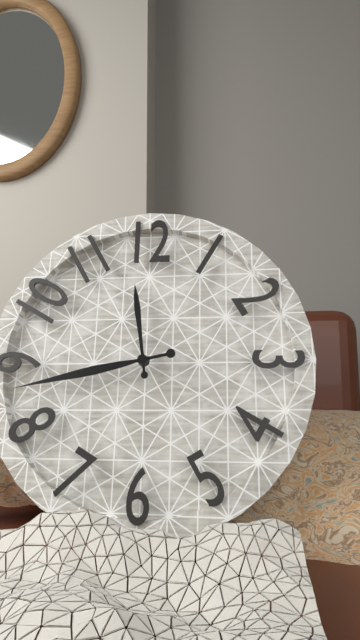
**11:43**
